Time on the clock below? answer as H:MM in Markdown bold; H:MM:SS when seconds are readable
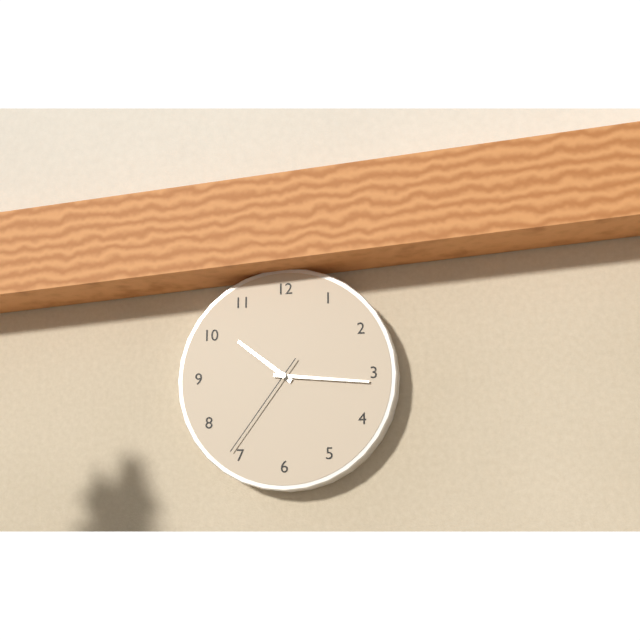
**10:16:36**
